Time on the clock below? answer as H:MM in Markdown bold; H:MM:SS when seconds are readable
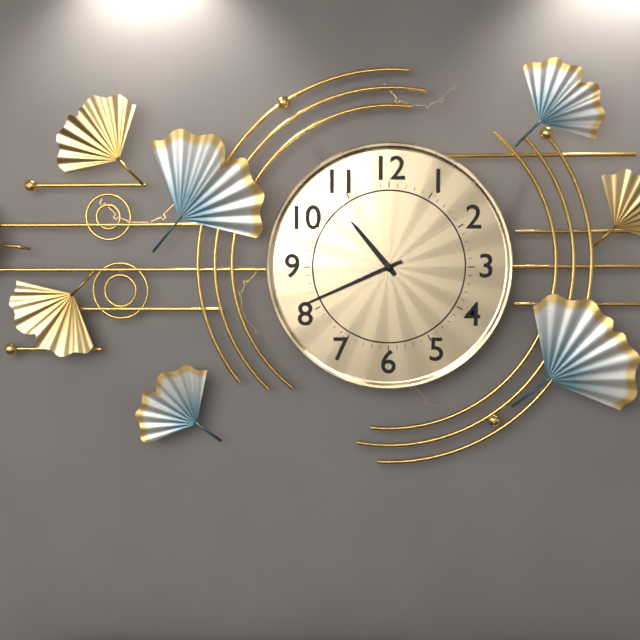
**10:41**
